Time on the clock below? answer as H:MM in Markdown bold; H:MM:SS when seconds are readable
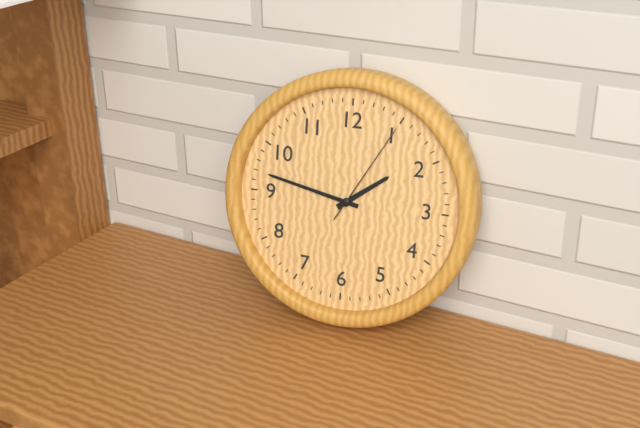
**1:47:05**
